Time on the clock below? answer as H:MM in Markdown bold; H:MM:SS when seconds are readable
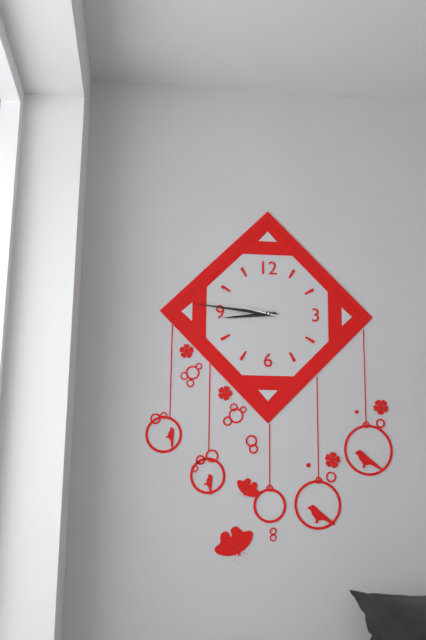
**8:46**
